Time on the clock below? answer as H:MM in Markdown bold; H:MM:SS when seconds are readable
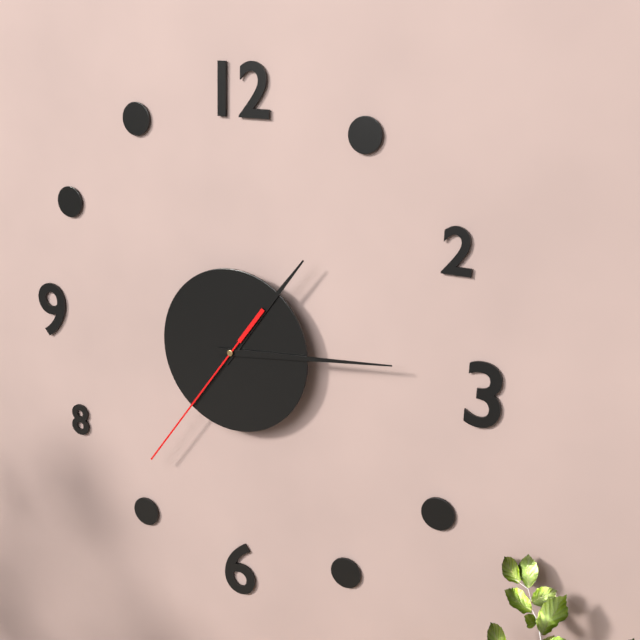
**1:14:36**
